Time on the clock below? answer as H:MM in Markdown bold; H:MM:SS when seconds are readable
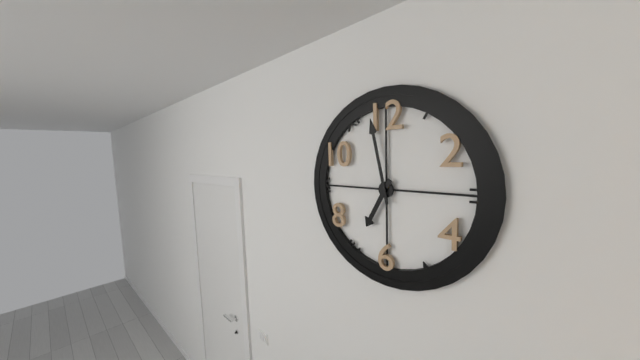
**6:58**
